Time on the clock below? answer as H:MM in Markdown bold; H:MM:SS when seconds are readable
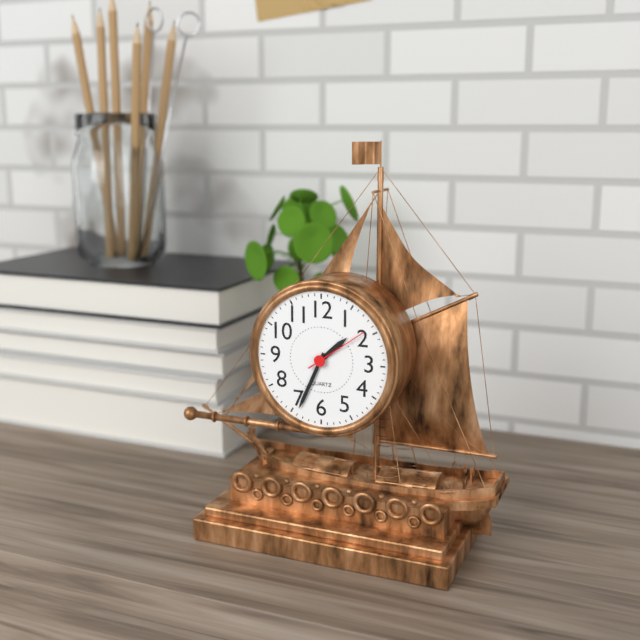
**1:34:09**
